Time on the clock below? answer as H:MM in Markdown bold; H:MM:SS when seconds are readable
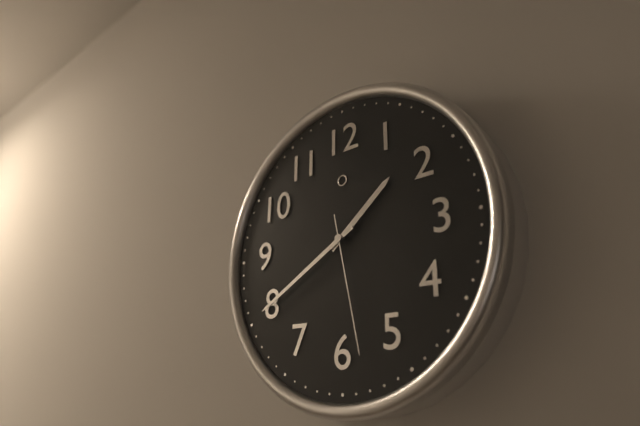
**1:40:28**
